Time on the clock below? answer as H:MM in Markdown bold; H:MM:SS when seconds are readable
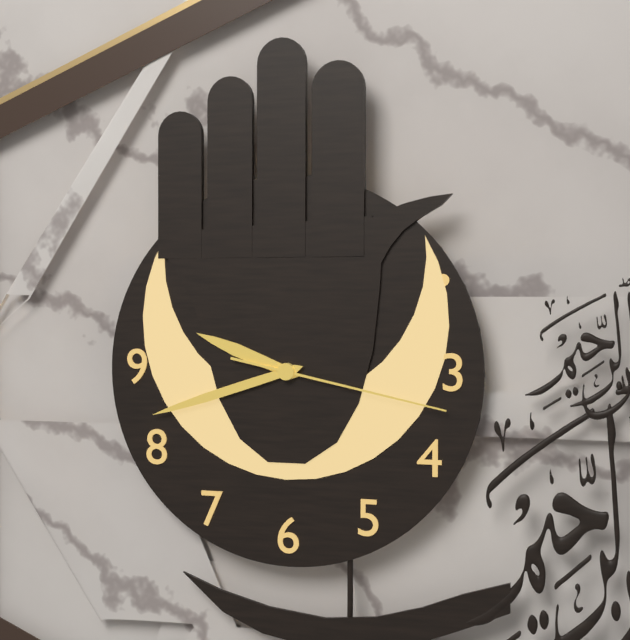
**9:42:17**
